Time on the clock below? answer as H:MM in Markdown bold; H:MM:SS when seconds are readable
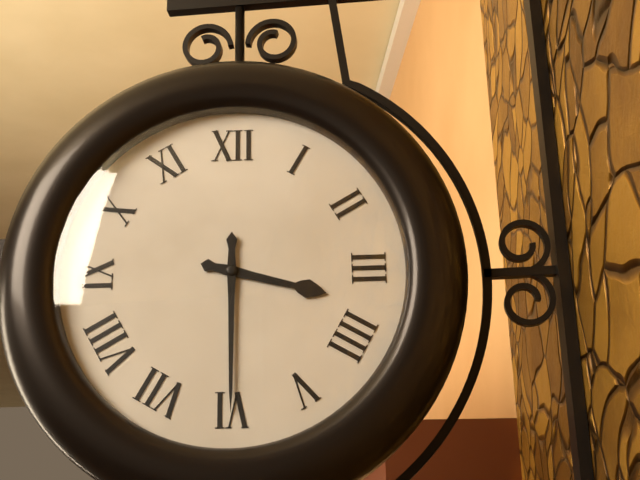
**3:30**
